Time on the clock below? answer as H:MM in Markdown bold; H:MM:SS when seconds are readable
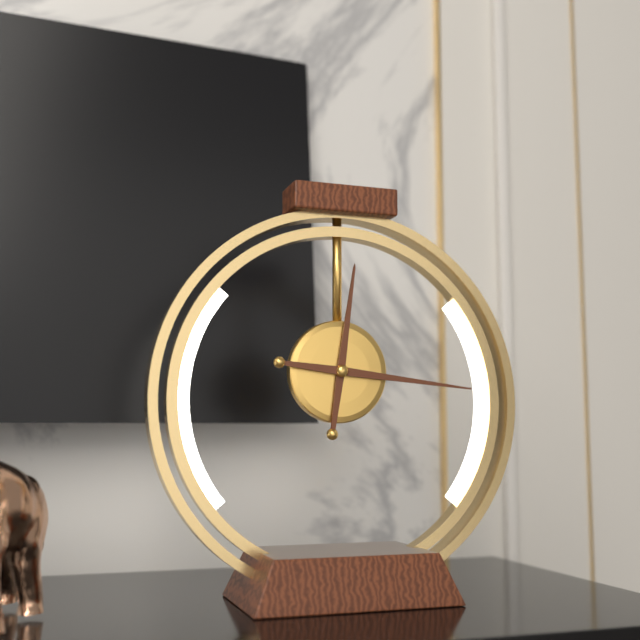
**12:16**
